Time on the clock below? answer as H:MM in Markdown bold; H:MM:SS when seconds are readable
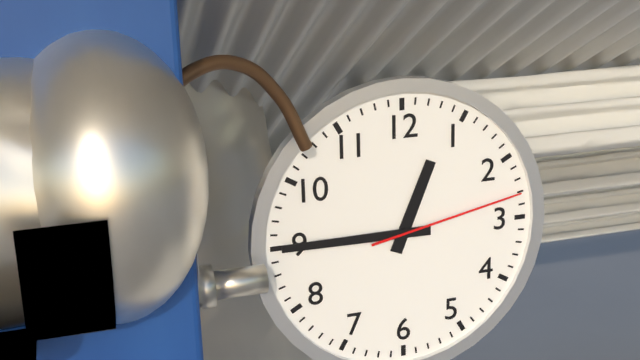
**12:45:13**
